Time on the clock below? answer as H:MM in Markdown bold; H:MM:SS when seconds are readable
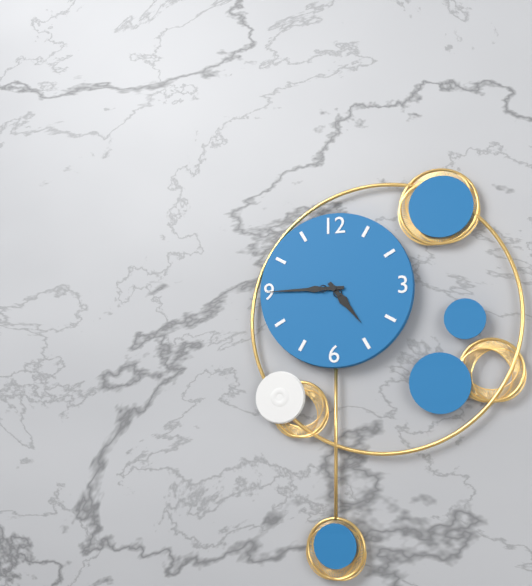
**4:45**
